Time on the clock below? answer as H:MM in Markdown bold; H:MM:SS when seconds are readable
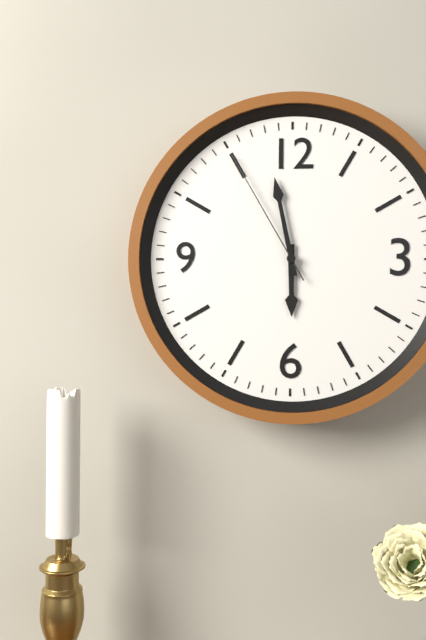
**5:58:55**
